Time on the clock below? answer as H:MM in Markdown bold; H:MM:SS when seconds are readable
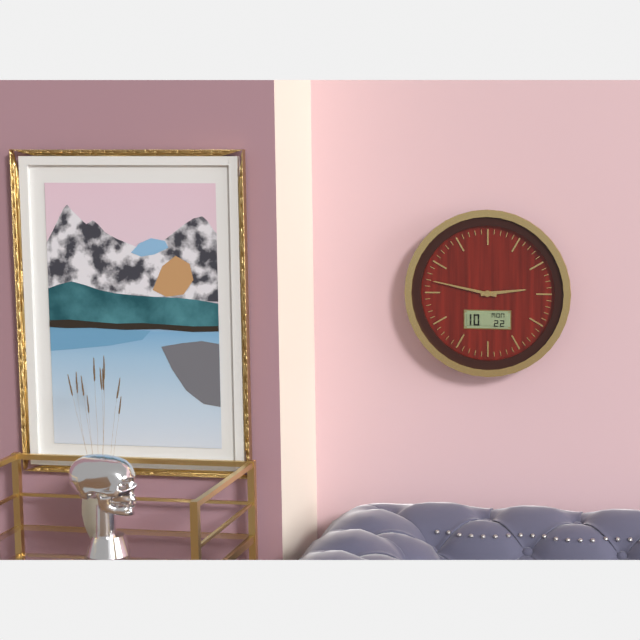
**2:47**
